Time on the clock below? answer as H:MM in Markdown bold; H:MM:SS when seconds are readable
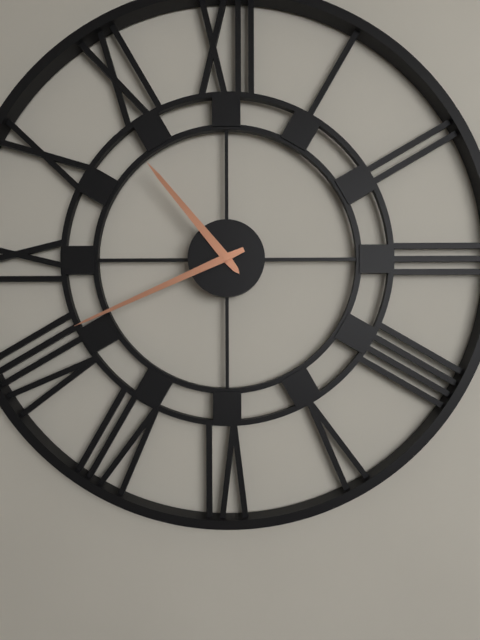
**10:41**
